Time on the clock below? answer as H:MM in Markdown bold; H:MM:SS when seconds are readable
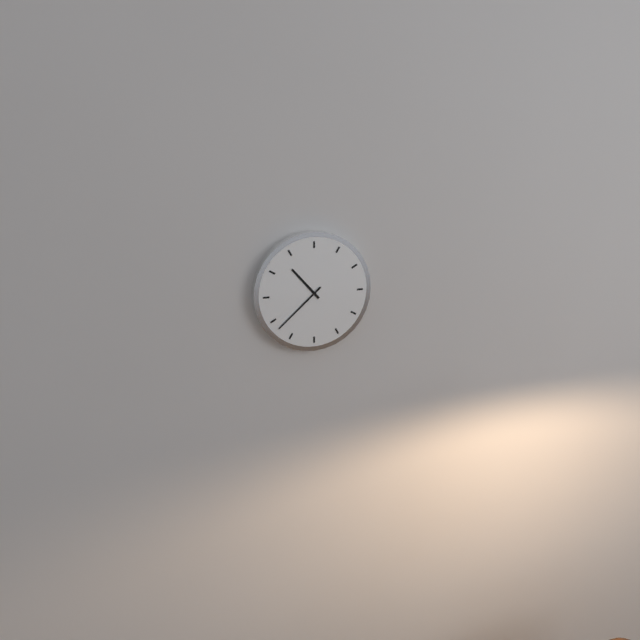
**10:38**
